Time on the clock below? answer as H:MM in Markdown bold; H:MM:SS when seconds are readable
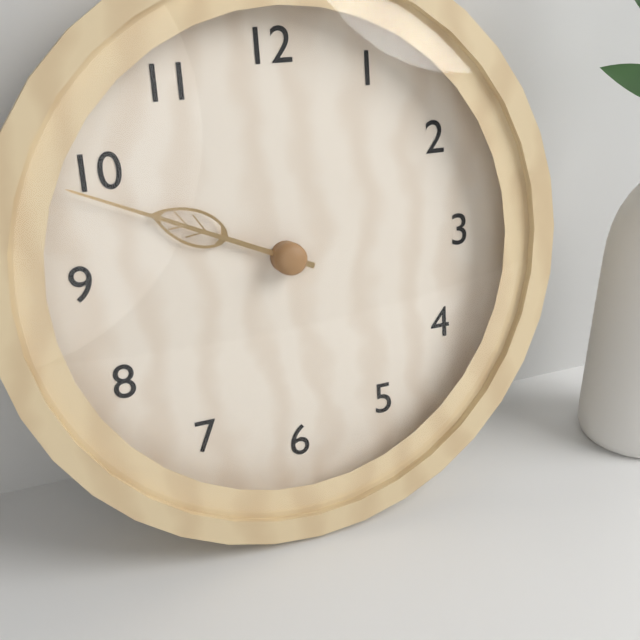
**9:49**
